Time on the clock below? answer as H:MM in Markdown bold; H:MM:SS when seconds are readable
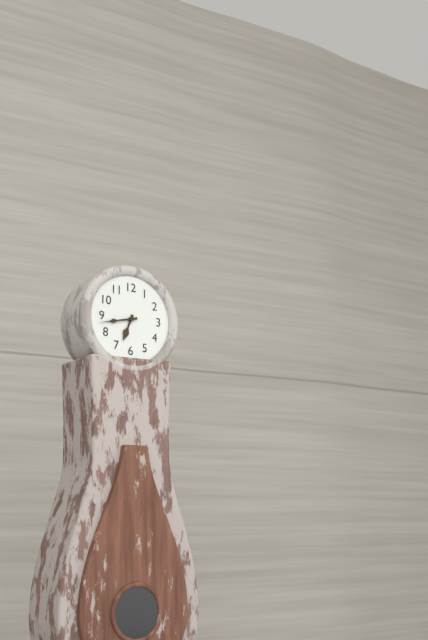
**6:43**
